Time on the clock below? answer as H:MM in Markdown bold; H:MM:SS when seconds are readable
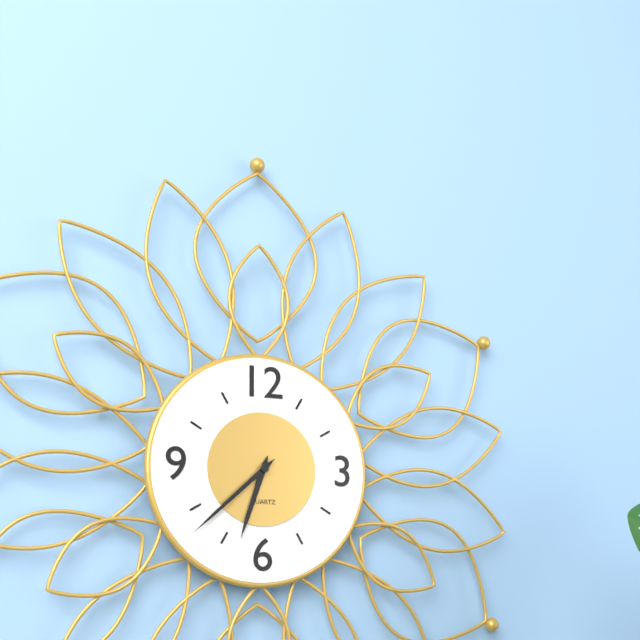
**6:38**
